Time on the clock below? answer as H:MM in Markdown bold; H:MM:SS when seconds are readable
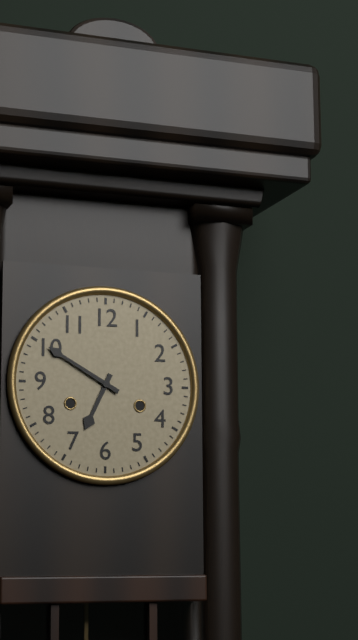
**6:50**
